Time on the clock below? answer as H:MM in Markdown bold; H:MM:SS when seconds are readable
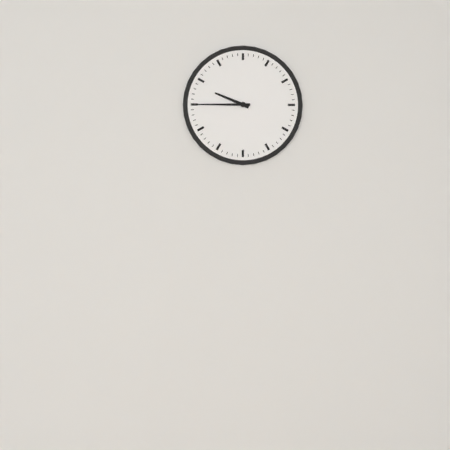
**9:45**
